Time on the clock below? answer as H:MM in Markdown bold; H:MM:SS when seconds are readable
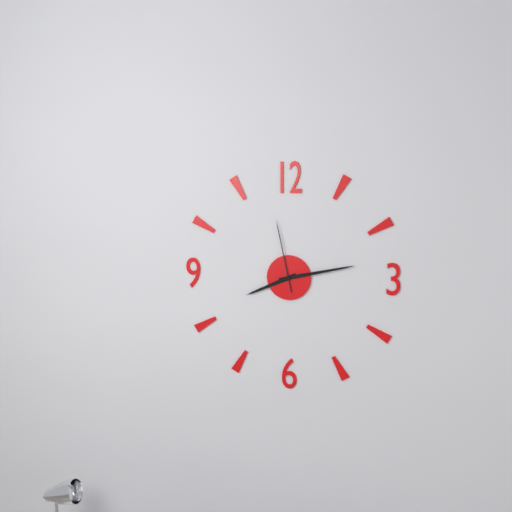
**8:13:58**
